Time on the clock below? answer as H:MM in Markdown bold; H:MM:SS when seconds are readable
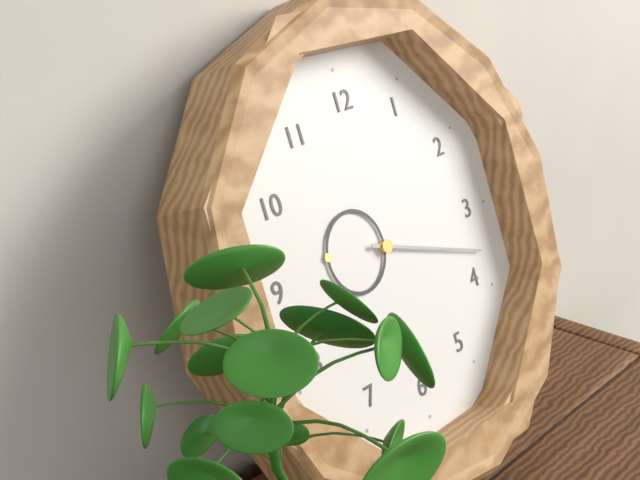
**9:18**
